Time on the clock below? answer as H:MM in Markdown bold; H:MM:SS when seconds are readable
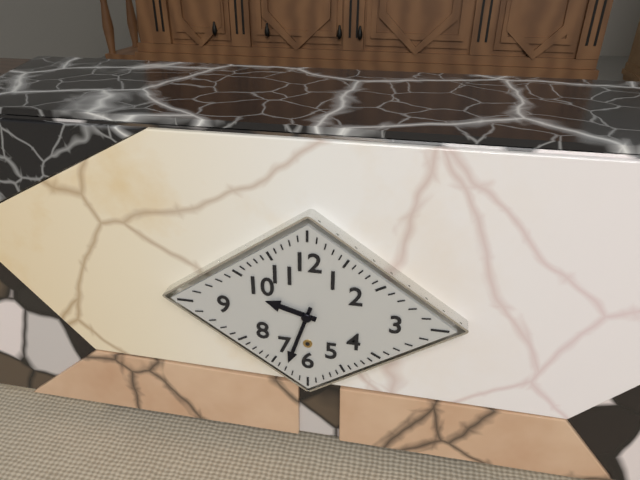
**9:33**
